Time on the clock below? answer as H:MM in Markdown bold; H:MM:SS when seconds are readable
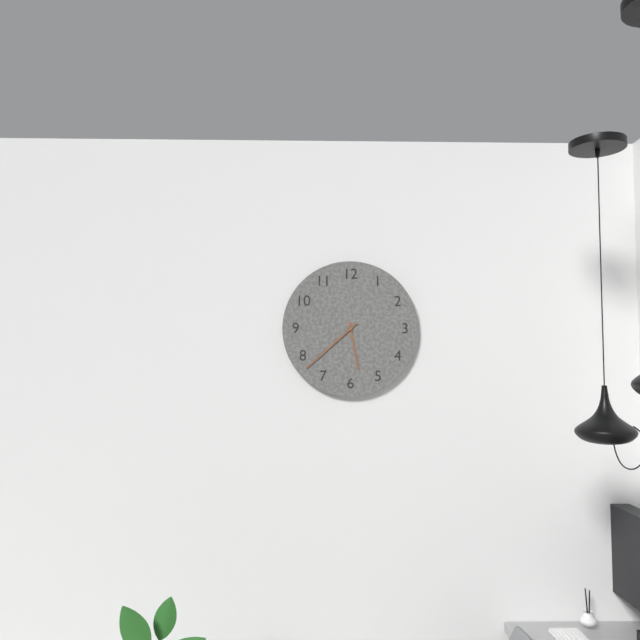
**5:38**
